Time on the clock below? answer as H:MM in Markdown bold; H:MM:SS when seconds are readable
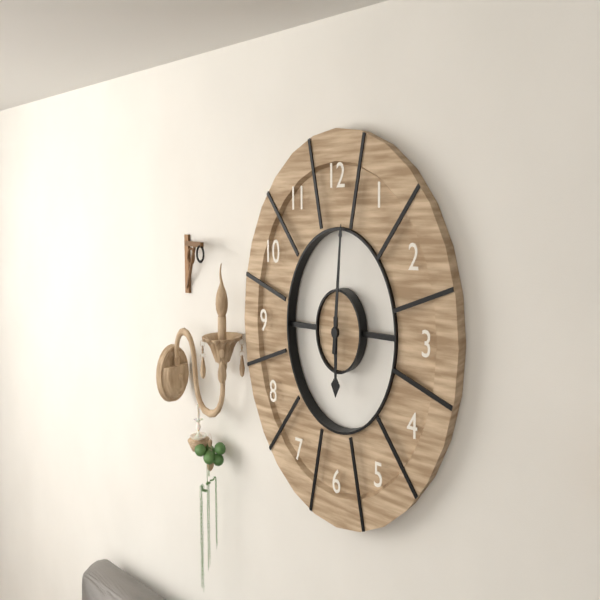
**6:01**
